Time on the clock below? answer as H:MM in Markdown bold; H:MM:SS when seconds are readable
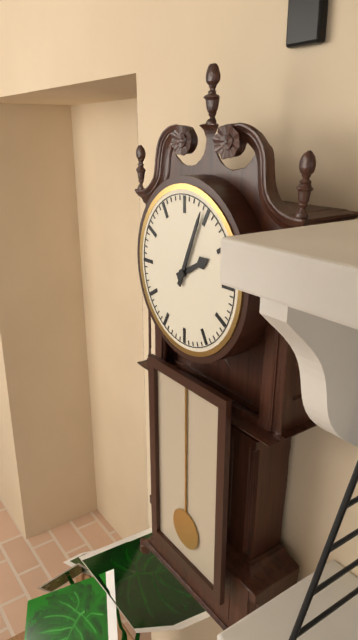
**2:04**
